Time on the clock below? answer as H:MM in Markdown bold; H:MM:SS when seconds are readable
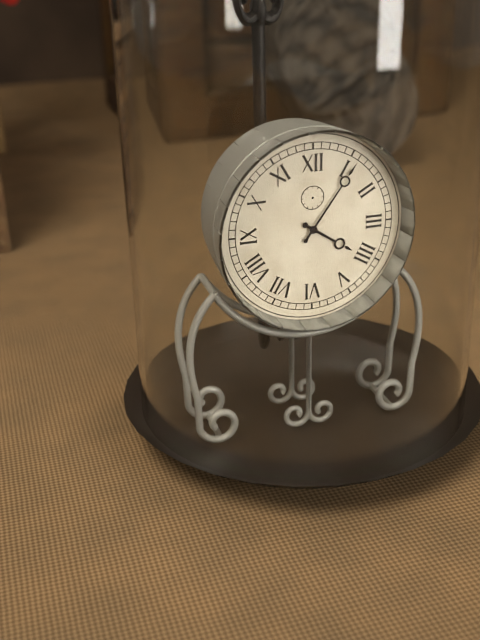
**4:06**
